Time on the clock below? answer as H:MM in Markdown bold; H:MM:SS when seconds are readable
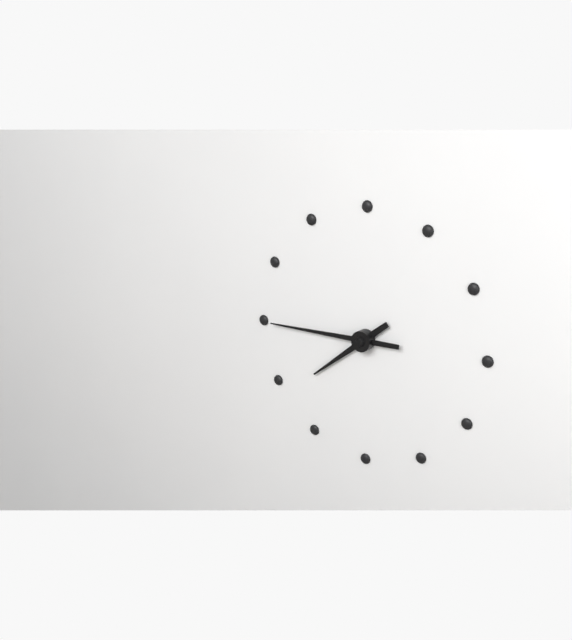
**7:45**
